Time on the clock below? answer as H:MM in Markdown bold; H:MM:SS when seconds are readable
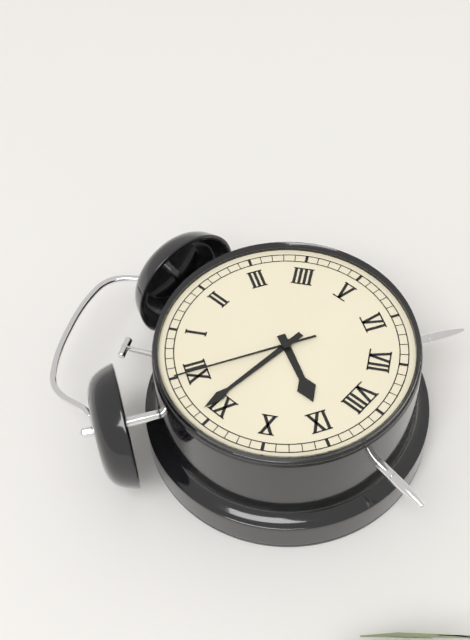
**8:56:00**
